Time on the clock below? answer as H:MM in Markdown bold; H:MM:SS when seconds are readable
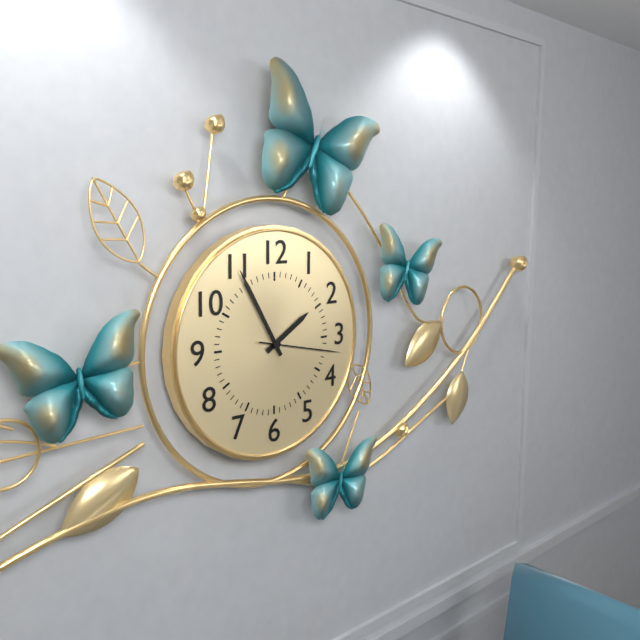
**1:55:17**
